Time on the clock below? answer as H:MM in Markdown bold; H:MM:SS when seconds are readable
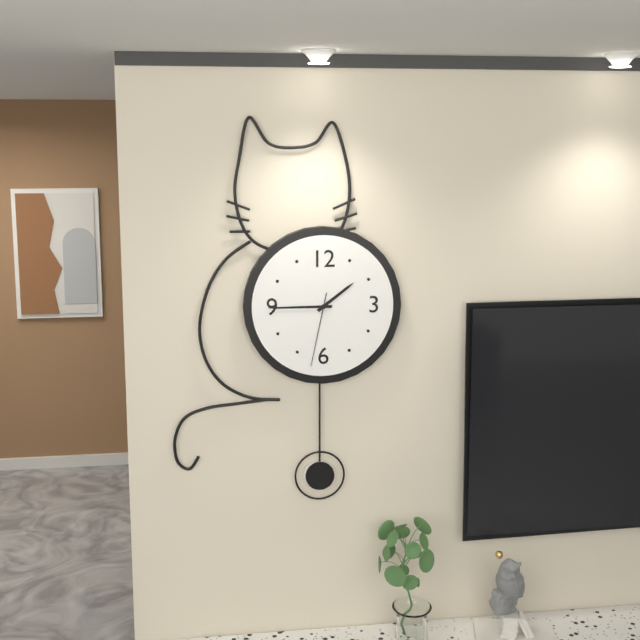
**1:45:32**
